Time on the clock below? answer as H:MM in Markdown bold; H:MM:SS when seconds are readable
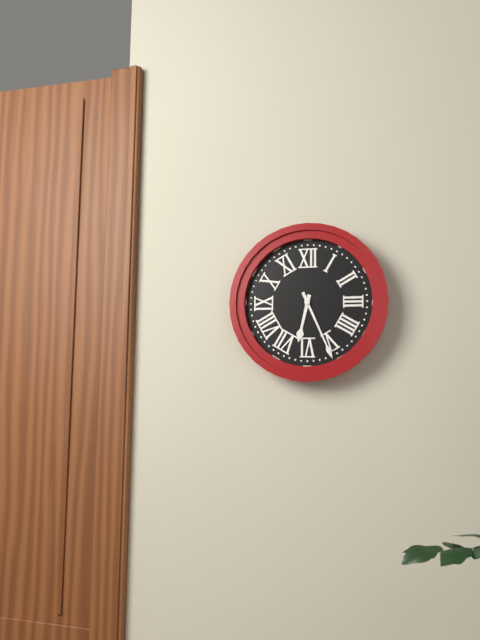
**6:26**
